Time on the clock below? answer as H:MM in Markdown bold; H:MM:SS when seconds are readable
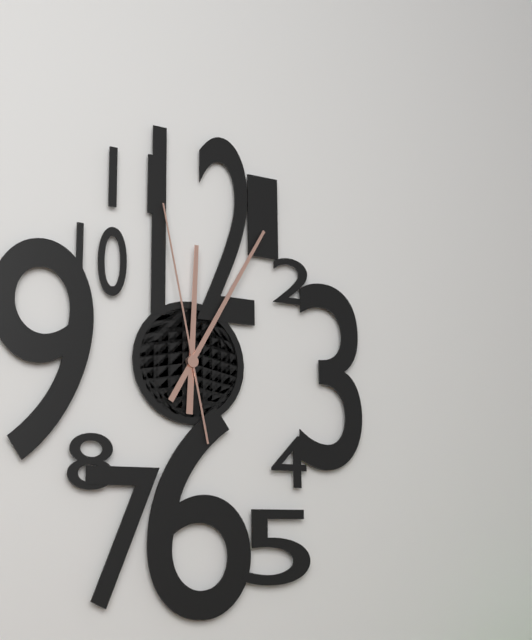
**12:05:58**
